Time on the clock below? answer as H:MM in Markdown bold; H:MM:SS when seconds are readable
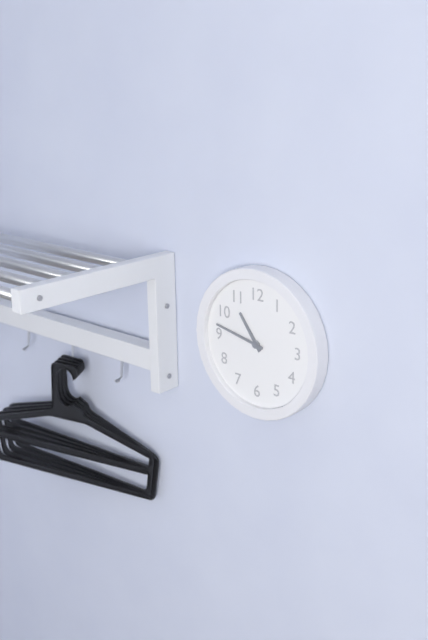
**10:47**
